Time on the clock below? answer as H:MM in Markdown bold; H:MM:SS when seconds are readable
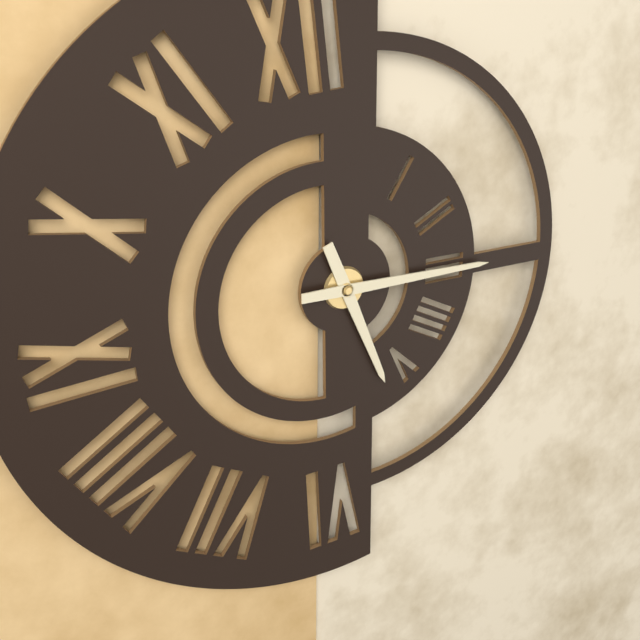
**5:15**
